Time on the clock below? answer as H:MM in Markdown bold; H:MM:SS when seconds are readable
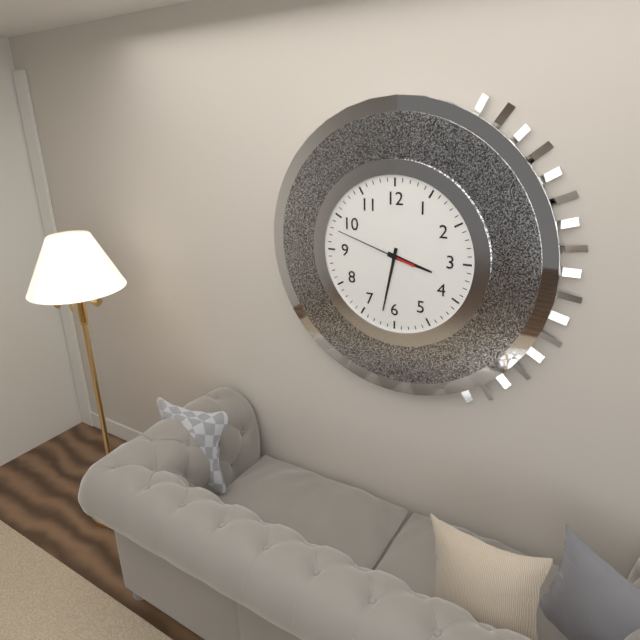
**3:32:48**
